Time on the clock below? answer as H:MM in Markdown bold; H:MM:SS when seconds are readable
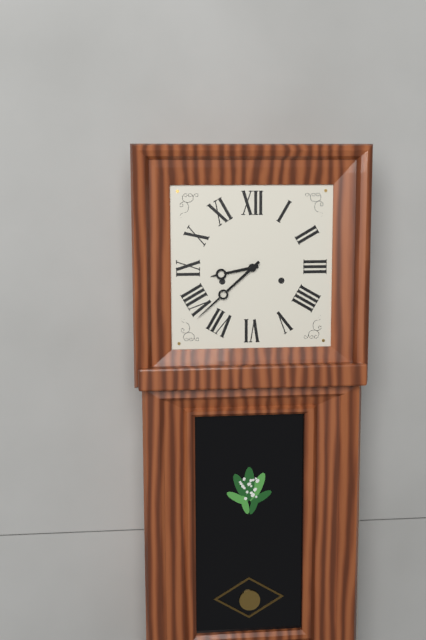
**8:38**
